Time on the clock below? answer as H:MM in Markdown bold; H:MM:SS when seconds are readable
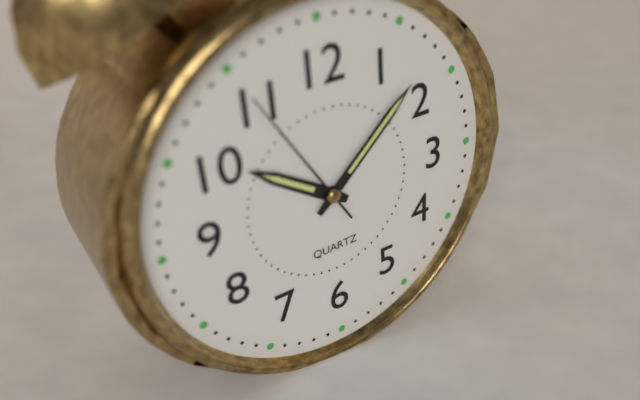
**10:08:55**
